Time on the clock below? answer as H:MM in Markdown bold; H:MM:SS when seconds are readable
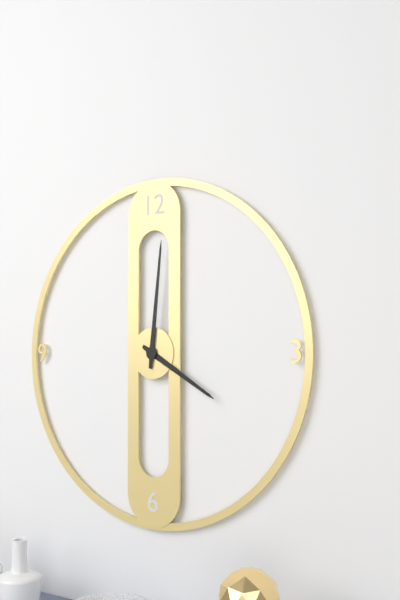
**4:01**
